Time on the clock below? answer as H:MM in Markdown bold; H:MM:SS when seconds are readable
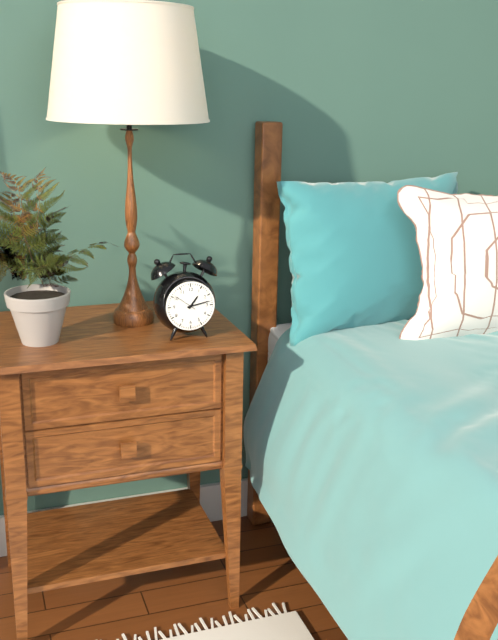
**1:13**
